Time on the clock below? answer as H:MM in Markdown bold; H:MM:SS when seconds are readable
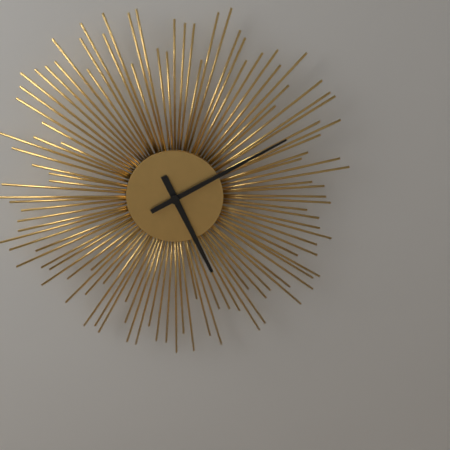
**5:10**
